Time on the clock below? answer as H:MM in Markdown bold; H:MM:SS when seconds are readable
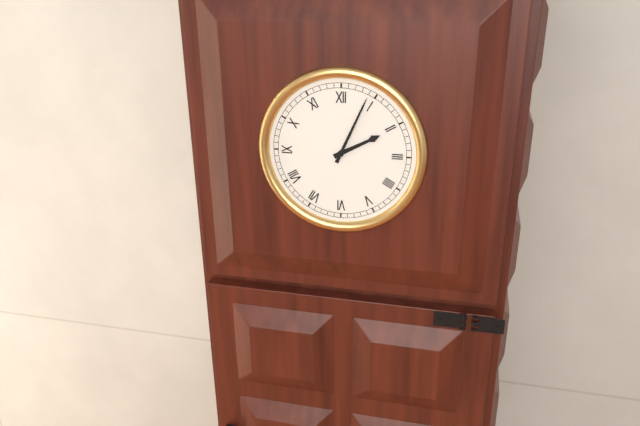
**2:04**
